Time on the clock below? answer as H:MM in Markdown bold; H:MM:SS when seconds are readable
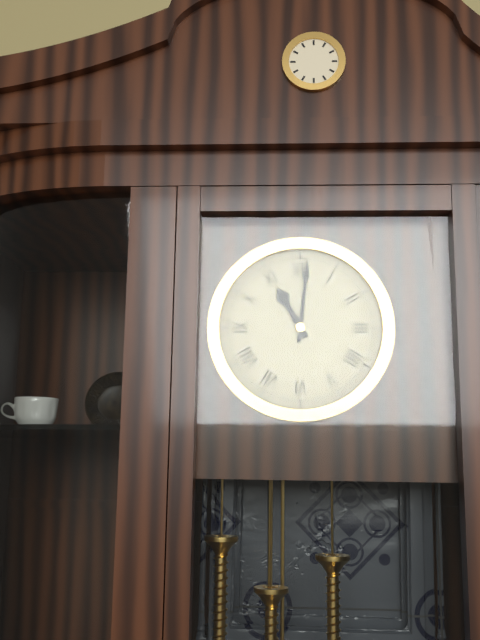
**11:01**
